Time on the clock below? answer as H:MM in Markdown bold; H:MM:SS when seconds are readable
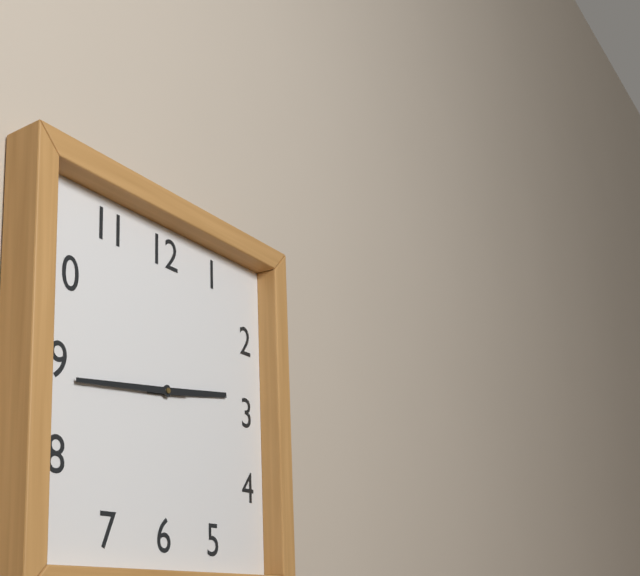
**2:44**
